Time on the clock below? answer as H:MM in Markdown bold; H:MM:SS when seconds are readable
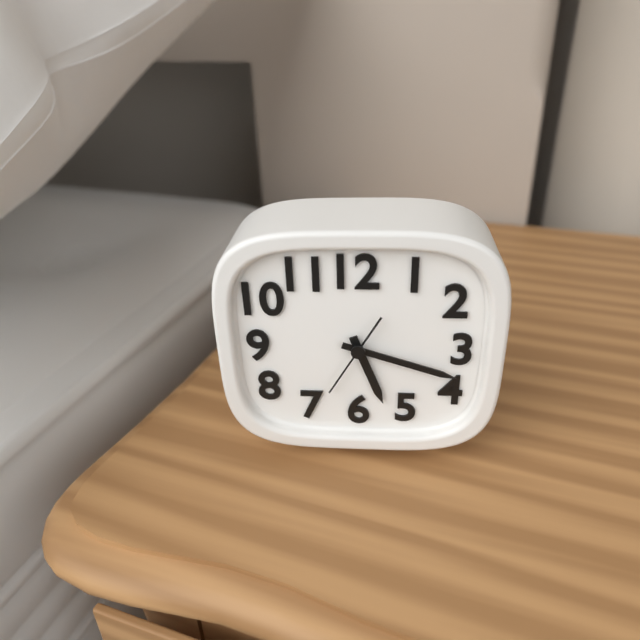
**5:18:35**
